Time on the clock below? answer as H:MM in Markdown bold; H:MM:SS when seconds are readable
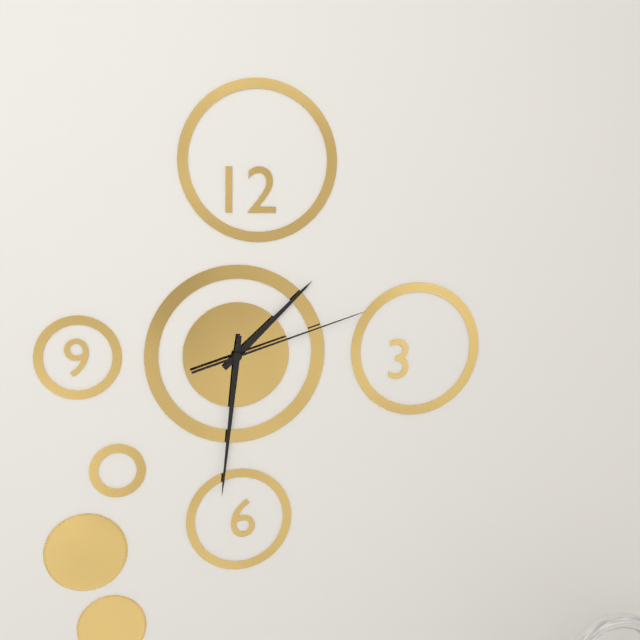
**1:31:12**
